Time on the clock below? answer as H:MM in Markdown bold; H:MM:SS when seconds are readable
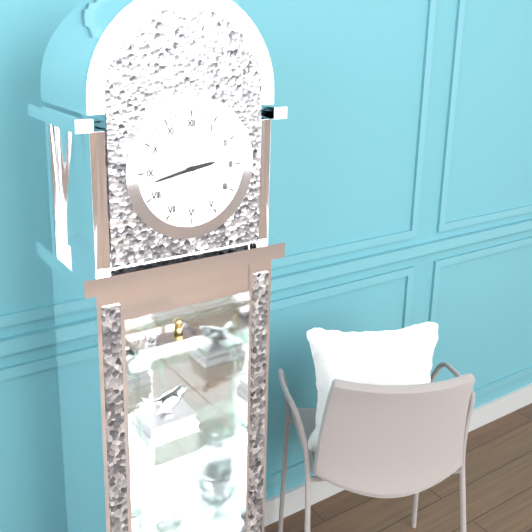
**2:43**
